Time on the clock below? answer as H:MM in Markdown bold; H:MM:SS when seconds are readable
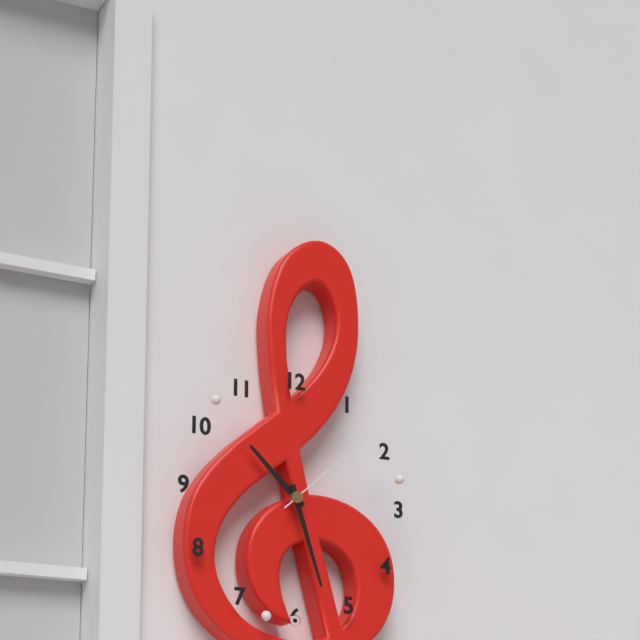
**10:27:08**
